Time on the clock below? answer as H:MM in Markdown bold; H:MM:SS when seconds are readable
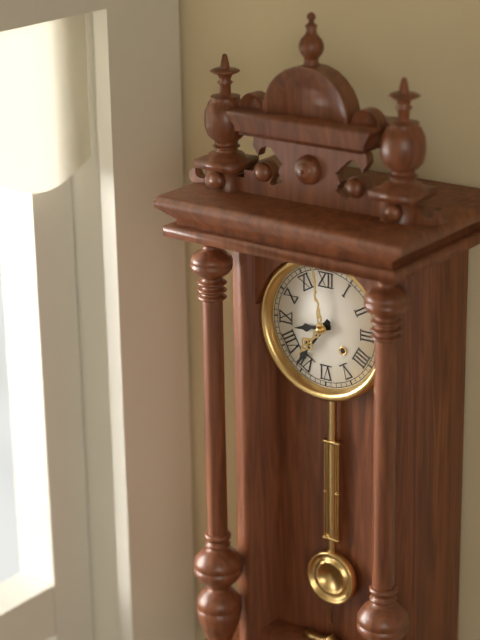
**8:36**
